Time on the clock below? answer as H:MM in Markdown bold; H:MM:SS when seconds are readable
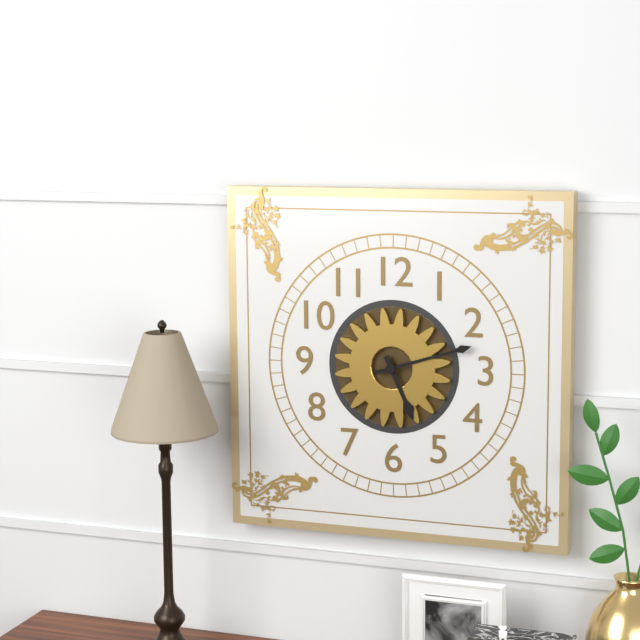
**5:12**
